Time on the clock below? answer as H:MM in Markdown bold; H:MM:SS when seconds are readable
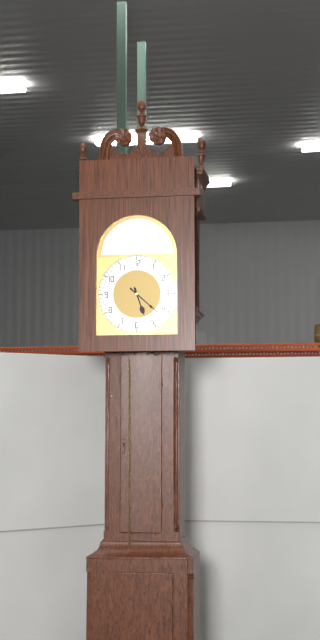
**5:22**
